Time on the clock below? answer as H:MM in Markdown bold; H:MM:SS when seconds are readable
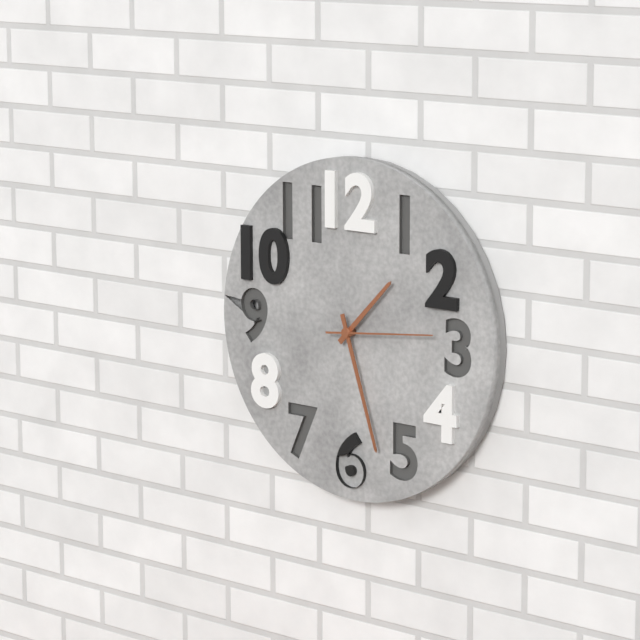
**1:27:14**
